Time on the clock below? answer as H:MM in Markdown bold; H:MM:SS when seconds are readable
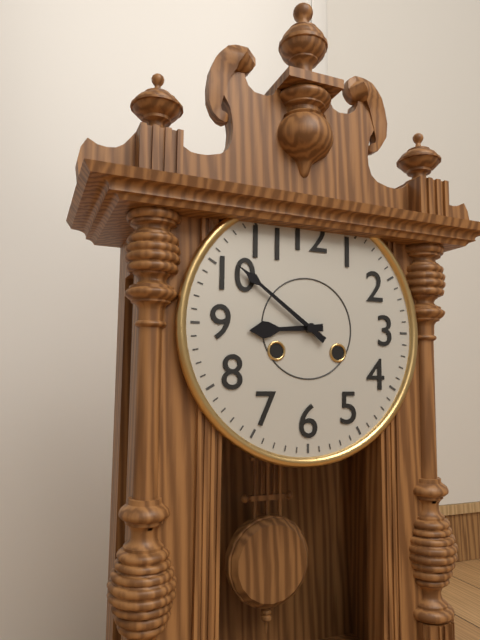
**8:51**
